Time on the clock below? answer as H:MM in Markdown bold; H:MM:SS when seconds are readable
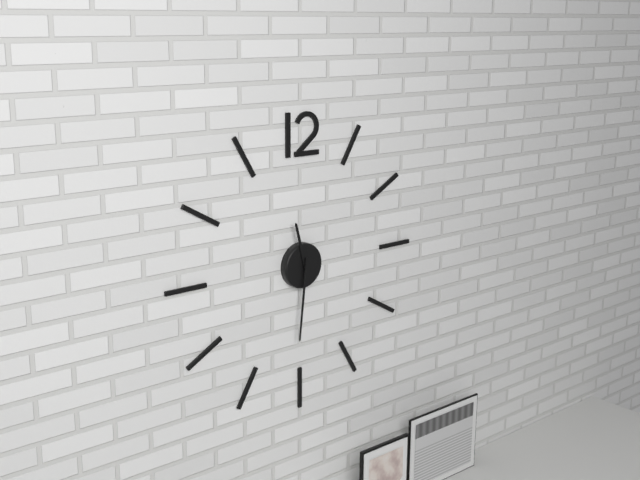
**11:31**
